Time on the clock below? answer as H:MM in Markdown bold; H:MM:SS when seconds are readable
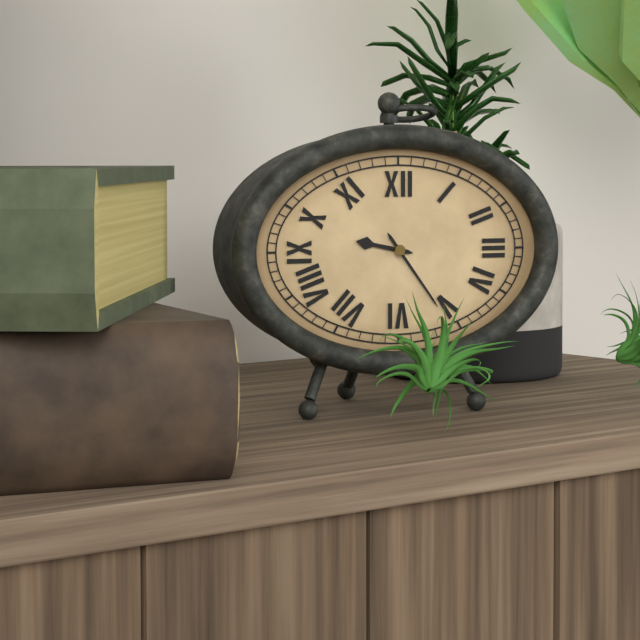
**9:24**
